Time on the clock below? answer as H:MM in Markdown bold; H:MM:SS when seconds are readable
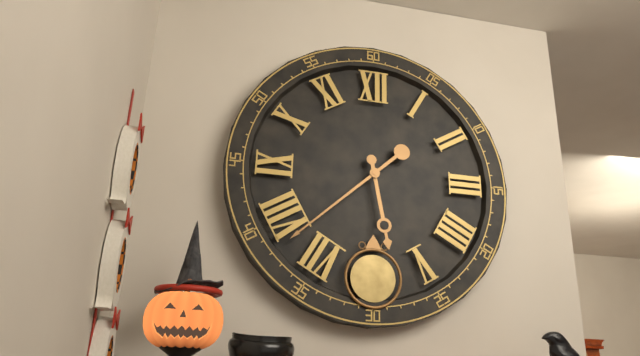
**5:38**
